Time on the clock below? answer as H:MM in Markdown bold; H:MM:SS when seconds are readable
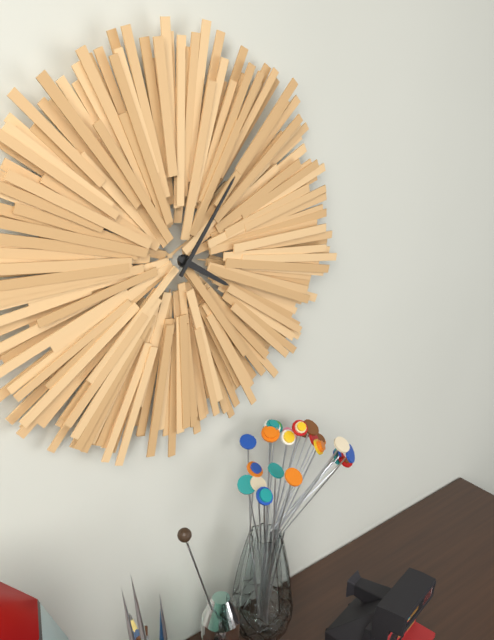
**4:06**
